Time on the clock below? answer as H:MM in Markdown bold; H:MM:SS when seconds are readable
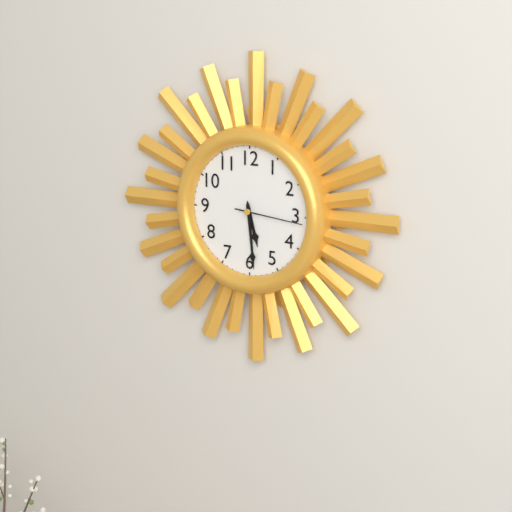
**5:29:16**
